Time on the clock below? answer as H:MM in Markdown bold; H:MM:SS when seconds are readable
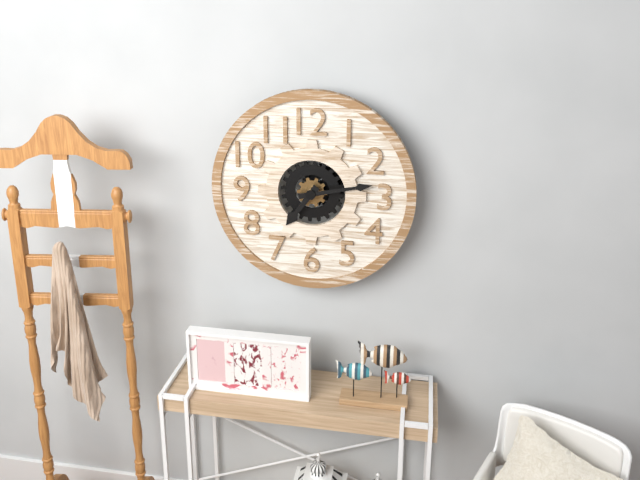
**7:13**
